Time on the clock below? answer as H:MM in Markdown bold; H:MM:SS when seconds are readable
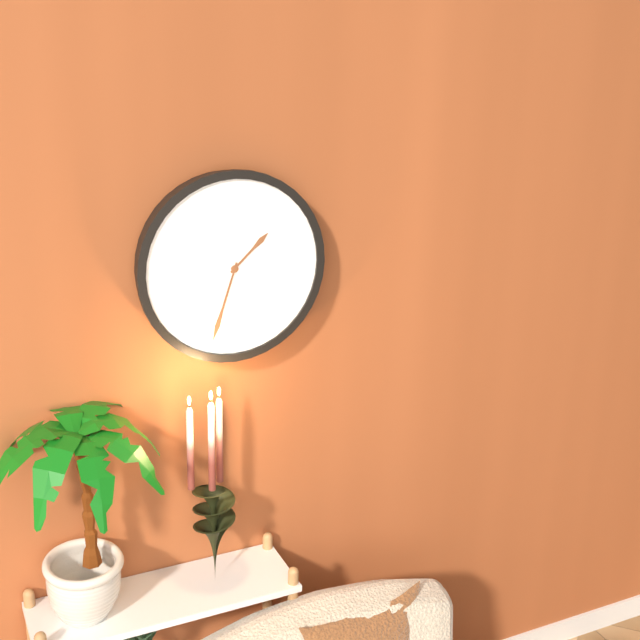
**1:33**
